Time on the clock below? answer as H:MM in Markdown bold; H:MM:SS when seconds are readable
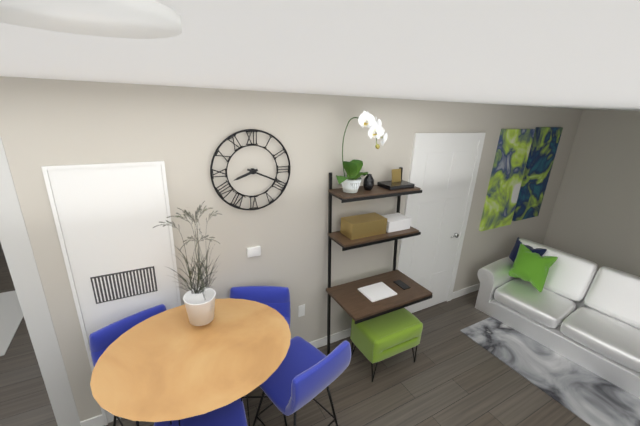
**8:19**
